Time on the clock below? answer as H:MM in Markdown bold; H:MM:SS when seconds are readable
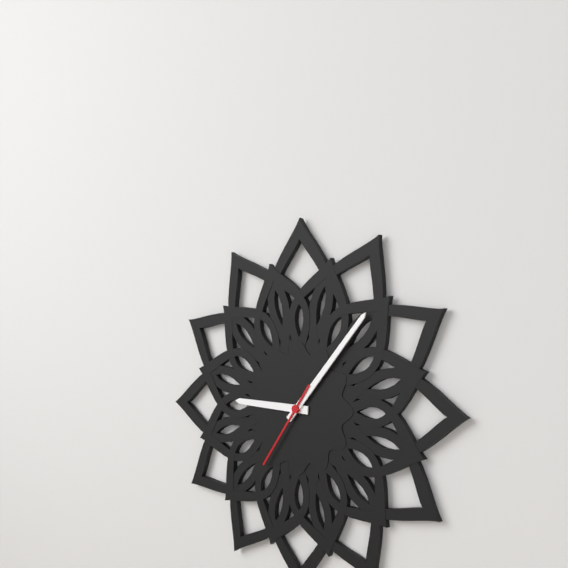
**9:07:36**
